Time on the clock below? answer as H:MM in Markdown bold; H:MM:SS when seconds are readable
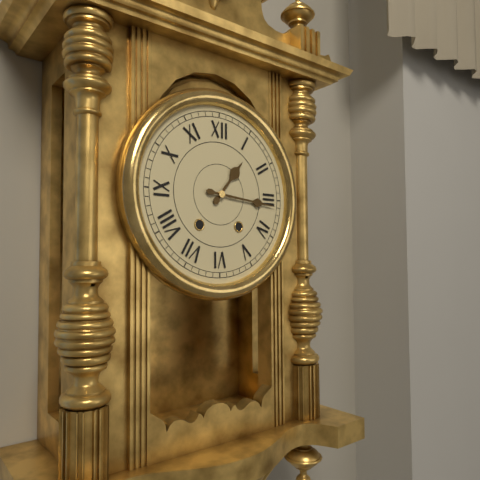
**1:16**
